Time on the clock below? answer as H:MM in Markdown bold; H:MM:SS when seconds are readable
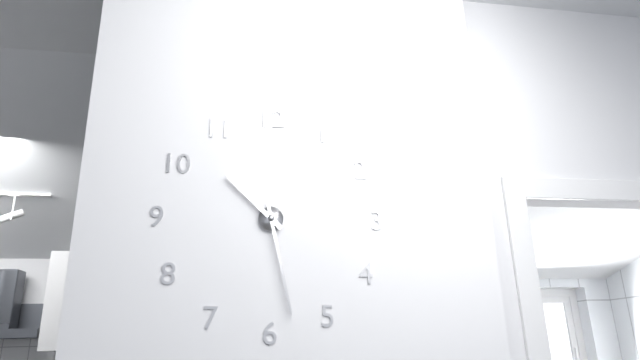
**10:28**
